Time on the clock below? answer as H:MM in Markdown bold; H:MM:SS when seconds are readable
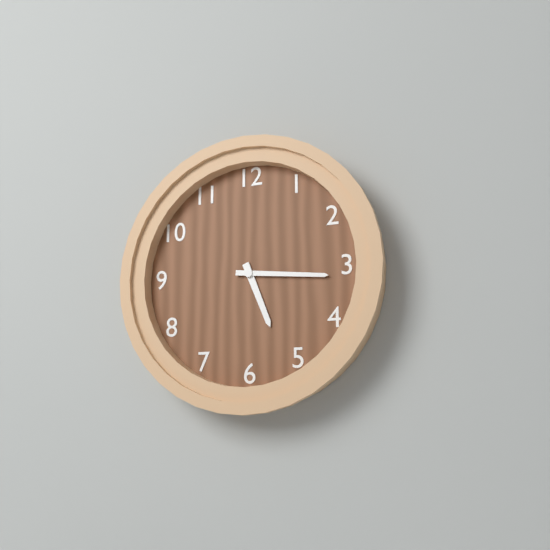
**5:16**
